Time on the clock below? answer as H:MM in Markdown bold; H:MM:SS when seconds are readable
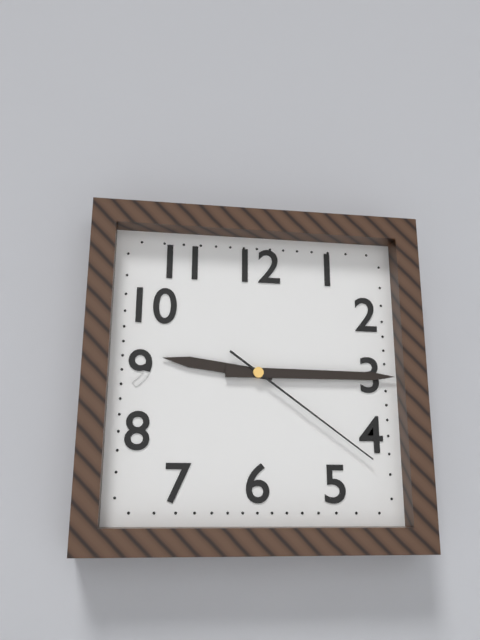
**9:15:21**
